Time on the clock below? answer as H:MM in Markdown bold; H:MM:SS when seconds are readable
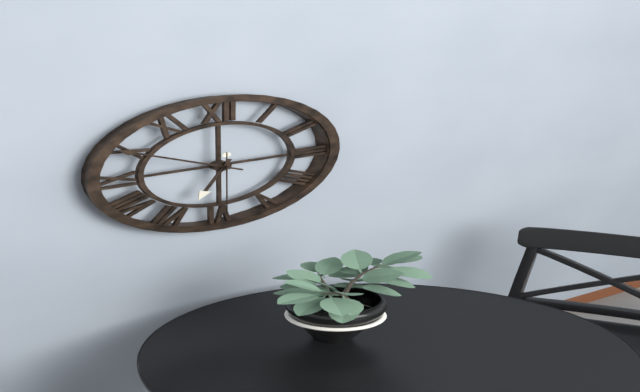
**6:50:30**
